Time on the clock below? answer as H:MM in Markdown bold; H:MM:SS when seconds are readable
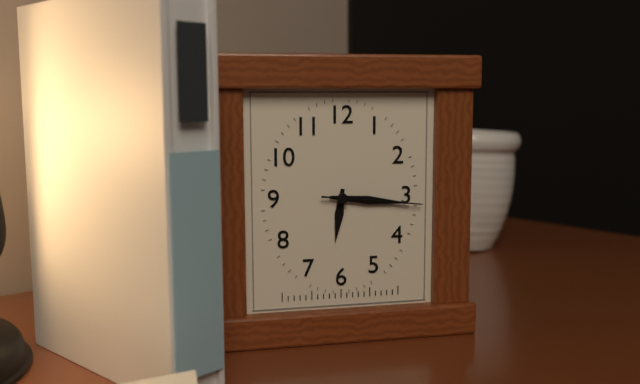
**6:16:16**
